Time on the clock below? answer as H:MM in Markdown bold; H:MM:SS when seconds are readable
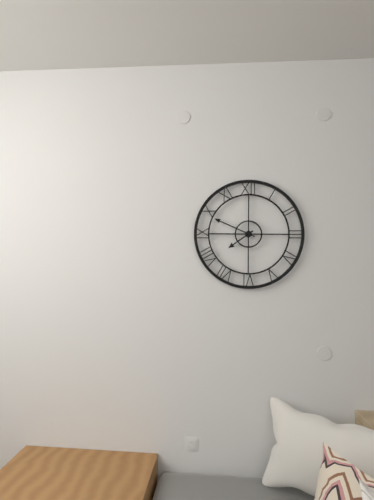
**7:49**
